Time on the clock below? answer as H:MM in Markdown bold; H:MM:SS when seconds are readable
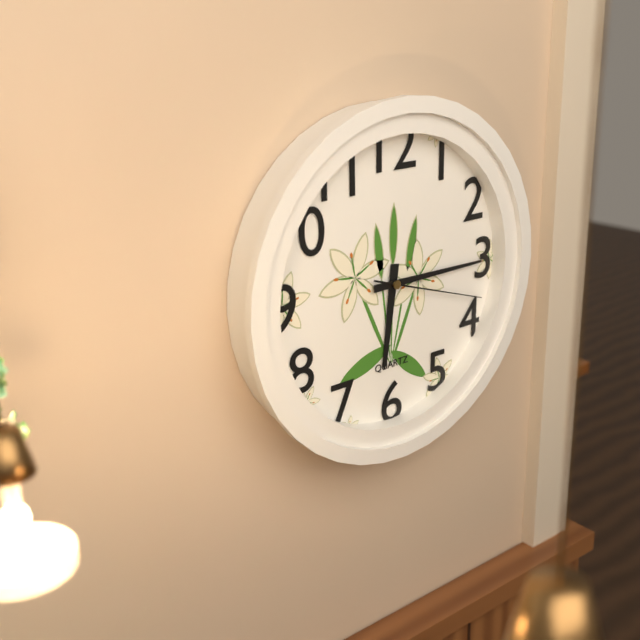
**6:15:18**
